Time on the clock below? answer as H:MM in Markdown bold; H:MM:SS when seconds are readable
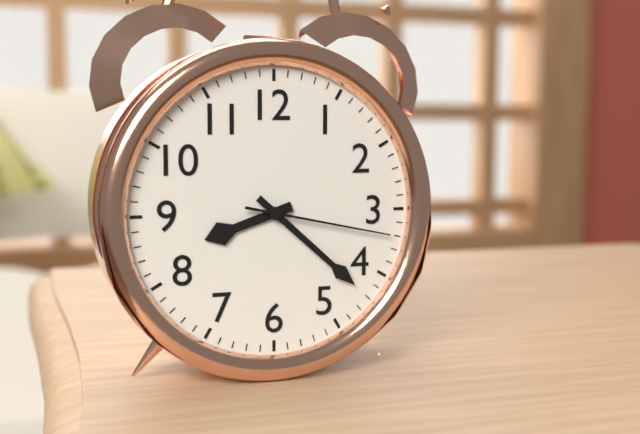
**8:22:17**
